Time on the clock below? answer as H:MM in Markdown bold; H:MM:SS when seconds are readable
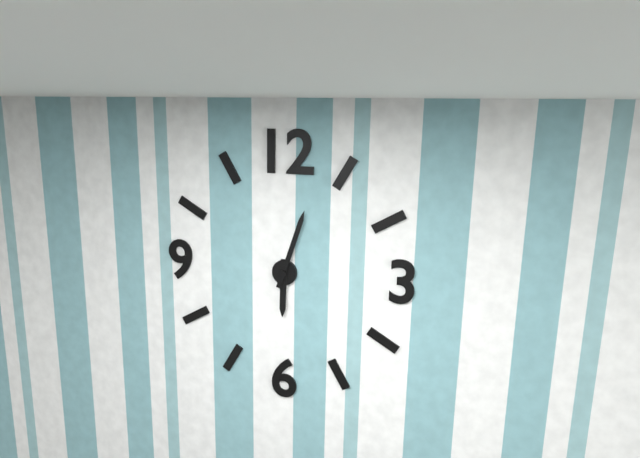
**6:03**
